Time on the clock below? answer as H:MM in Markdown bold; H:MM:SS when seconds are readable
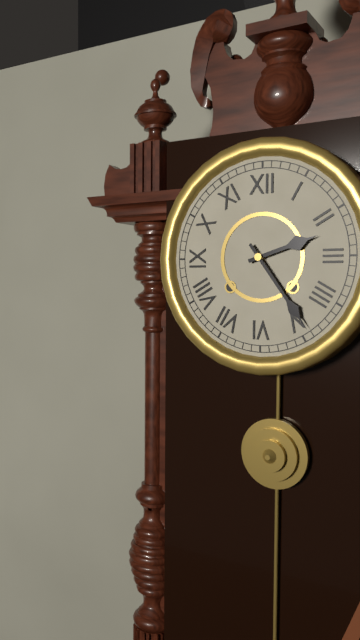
**2:24**
